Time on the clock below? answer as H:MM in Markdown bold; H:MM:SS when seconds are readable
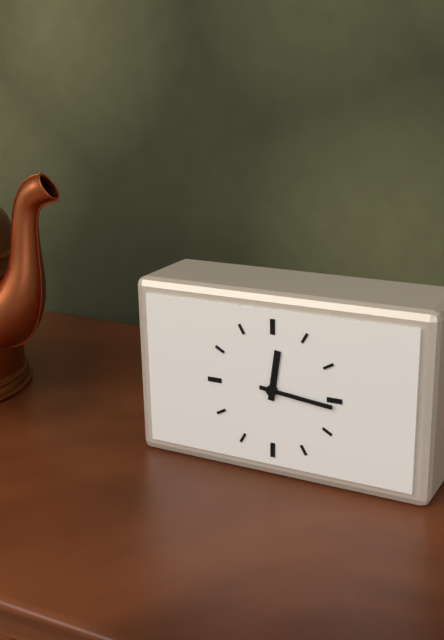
**12:16**
